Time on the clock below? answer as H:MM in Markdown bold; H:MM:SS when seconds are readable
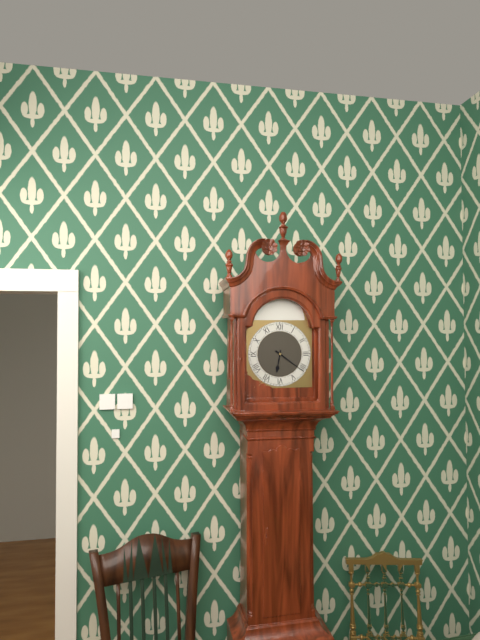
**6:21**
